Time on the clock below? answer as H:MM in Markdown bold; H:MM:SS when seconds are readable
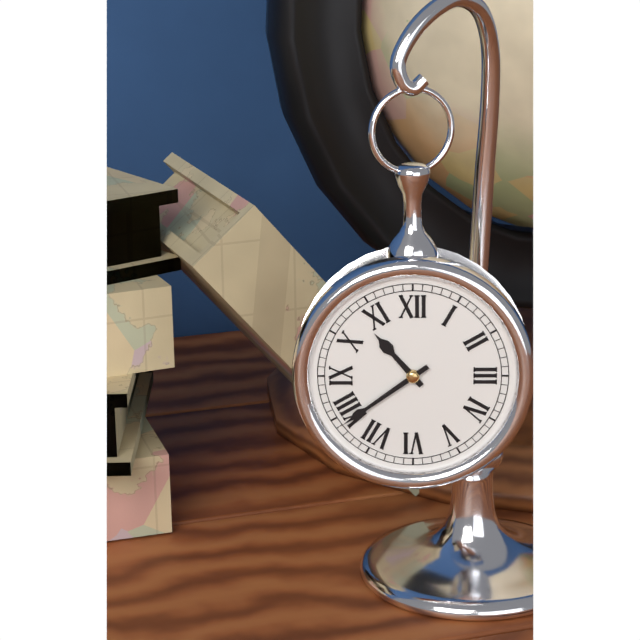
**10:39**
